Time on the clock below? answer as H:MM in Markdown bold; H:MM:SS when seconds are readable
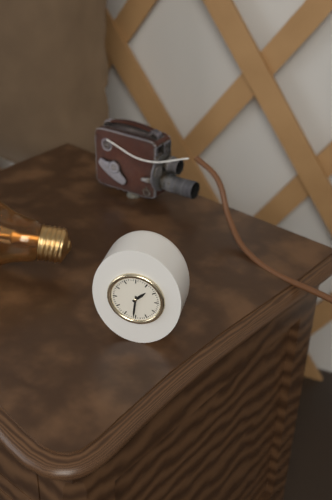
**1:31**
